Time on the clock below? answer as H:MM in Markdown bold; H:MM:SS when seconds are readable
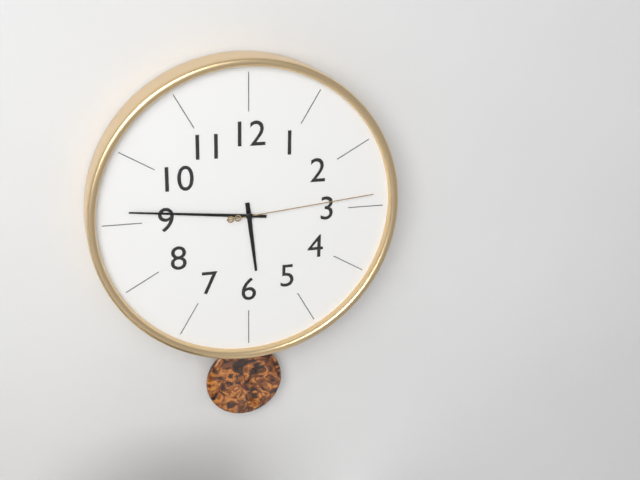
**5:46:14**
